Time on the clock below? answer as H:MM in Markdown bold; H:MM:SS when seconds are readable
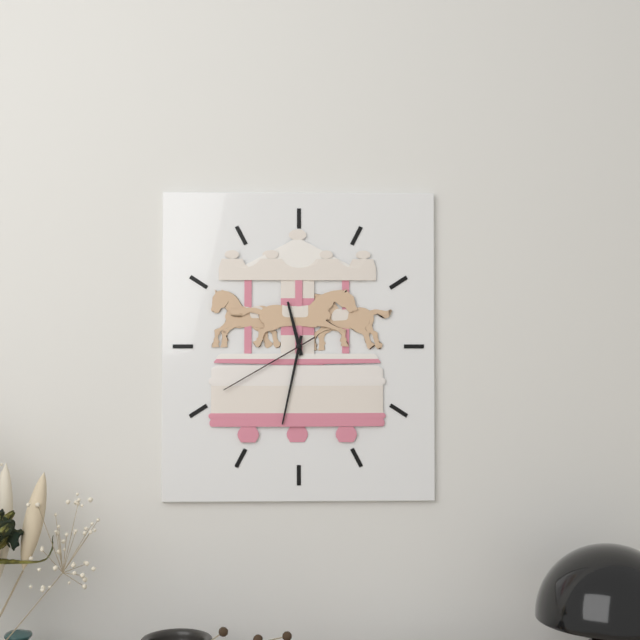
**11:32:40**
